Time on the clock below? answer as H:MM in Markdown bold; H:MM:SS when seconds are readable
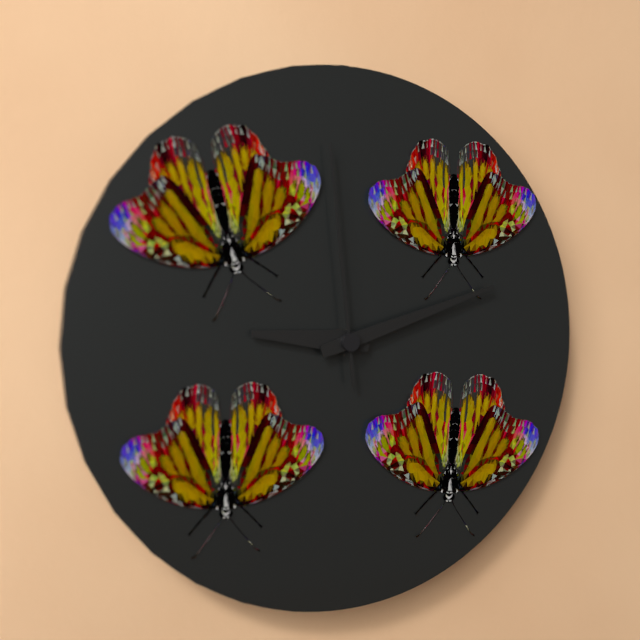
**9:12:59**
